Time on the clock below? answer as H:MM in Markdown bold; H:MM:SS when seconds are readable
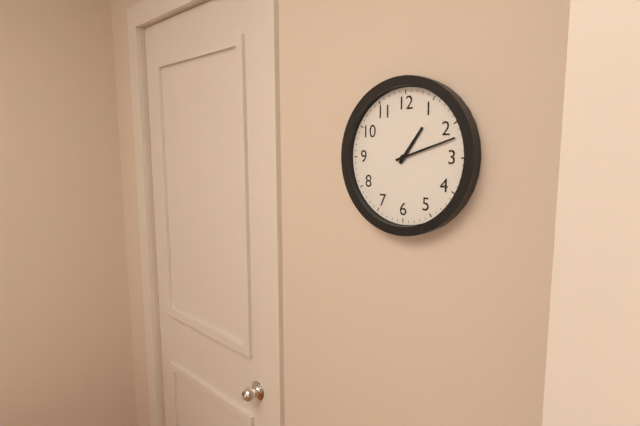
**1:12**
